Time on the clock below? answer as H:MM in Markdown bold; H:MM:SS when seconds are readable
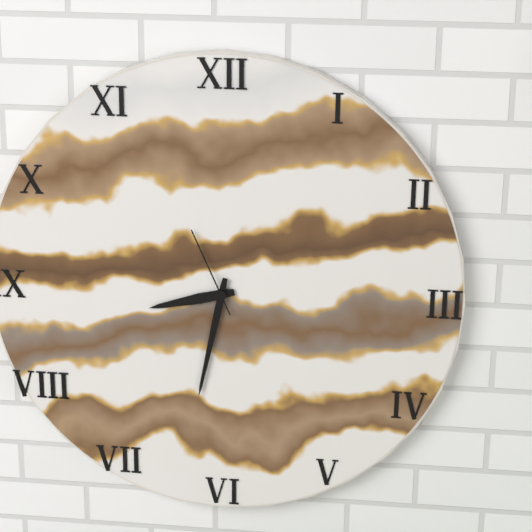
**8:32:56**
